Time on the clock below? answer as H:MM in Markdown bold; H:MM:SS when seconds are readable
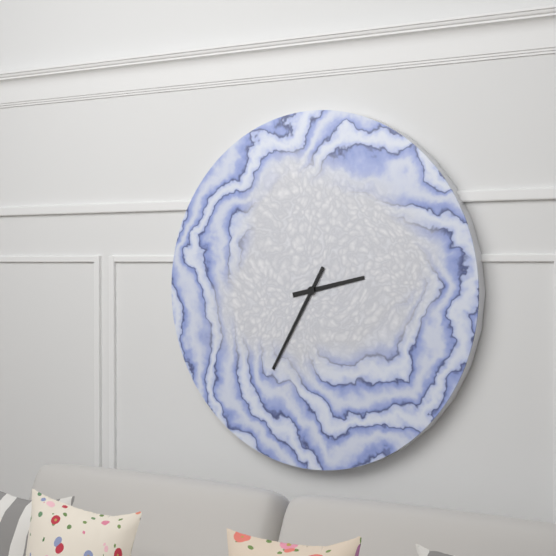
**2:35**
